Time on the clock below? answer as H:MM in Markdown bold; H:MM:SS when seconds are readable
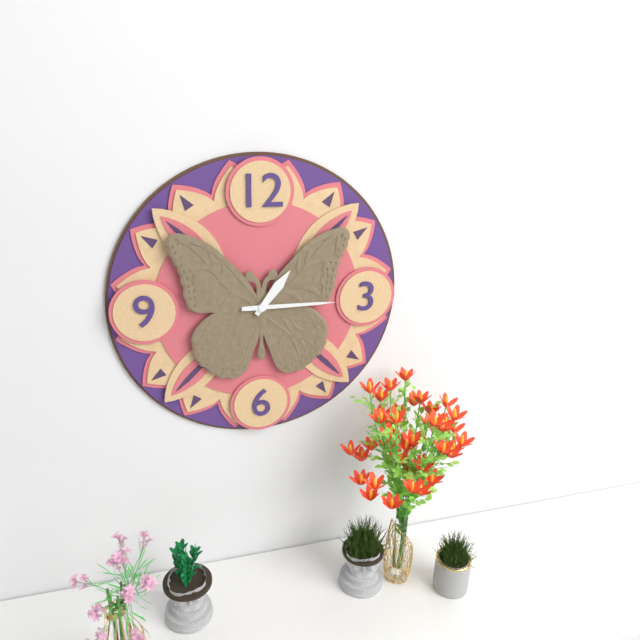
**1:15**
